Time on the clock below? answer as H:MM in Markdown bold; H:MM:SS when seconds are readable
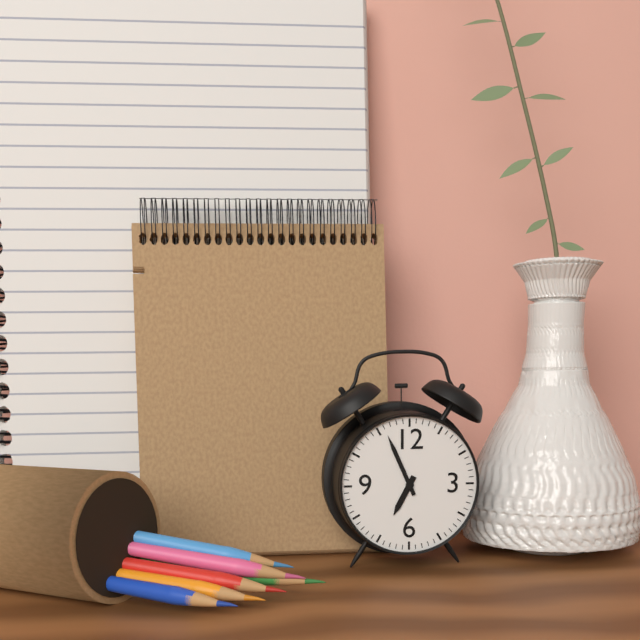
**6:56**
